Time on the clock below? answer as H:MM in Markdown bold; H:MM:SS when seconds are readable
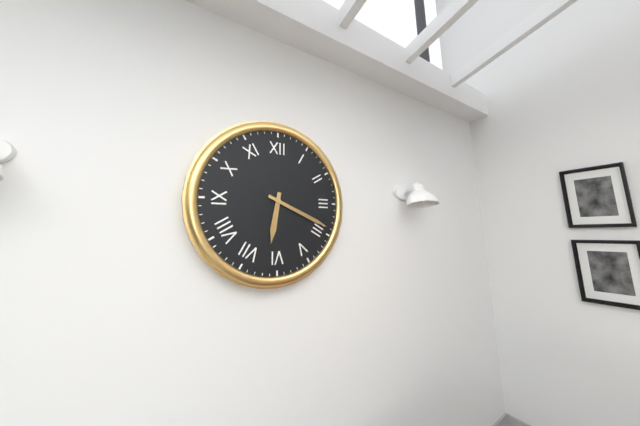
**6:19**
